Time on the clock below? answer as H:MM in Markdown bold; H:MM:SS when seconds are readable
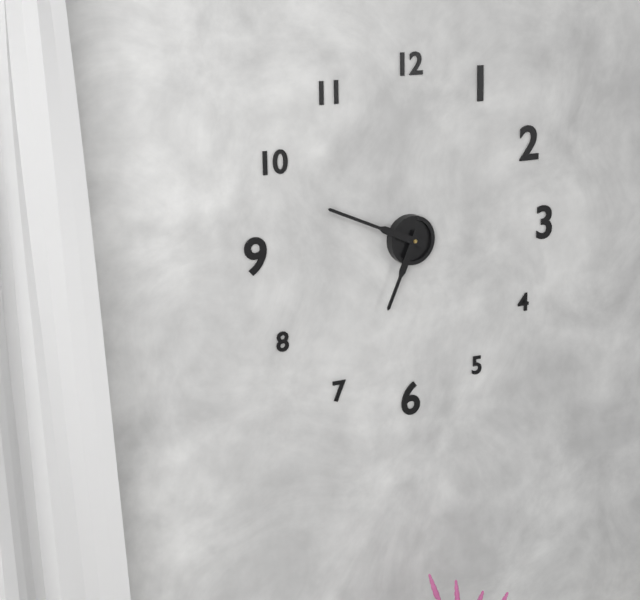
**6:49**
